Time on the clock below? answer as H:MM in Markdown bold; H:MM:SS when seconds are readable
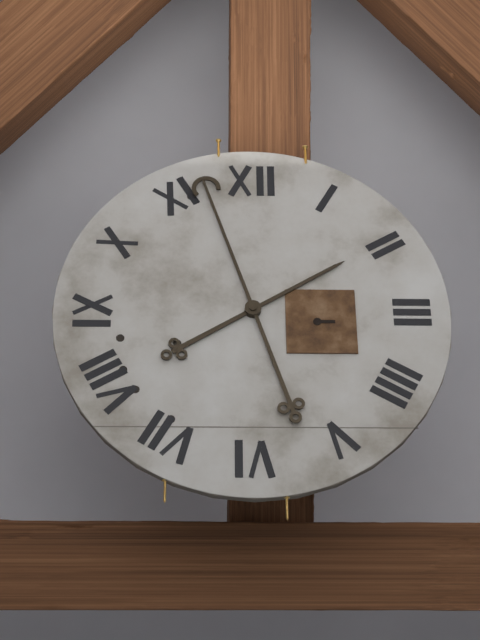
**1:57**
